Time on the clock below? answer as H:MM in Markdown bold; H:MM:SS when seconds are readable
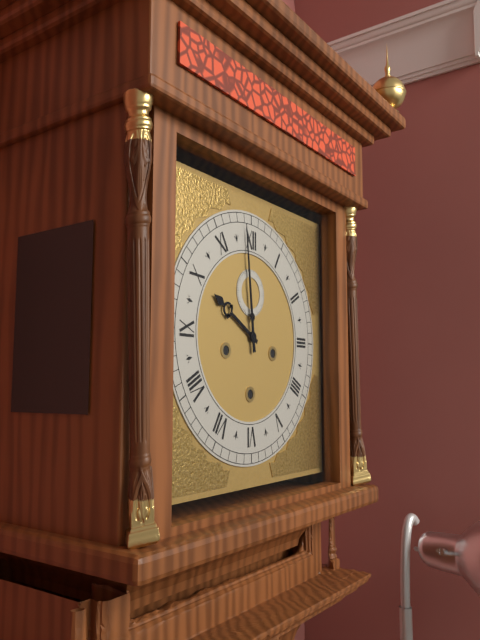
**9:59**
